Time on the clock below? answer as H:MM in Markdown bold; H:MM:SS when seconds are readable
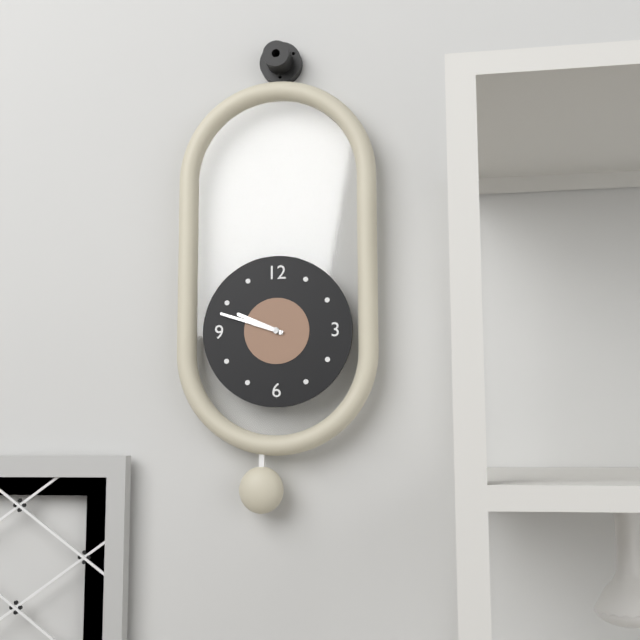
**9:48**
